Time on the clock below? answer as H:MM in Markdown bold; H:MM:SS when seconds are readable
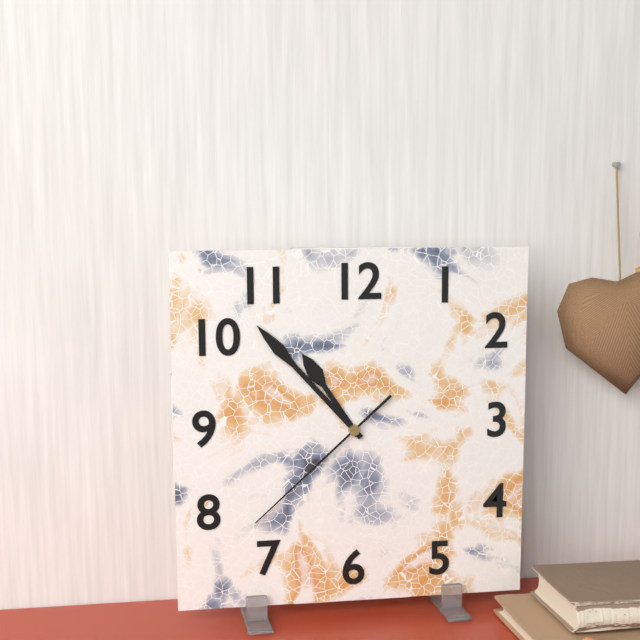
**10:53:38**
